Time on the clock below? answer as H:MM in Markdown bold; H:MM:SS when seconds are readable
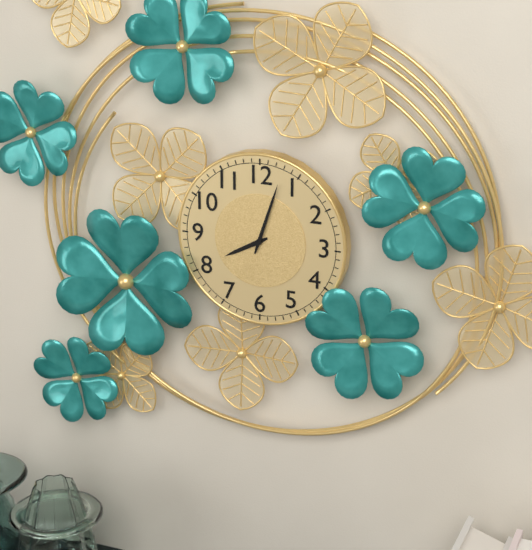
**8:03**
